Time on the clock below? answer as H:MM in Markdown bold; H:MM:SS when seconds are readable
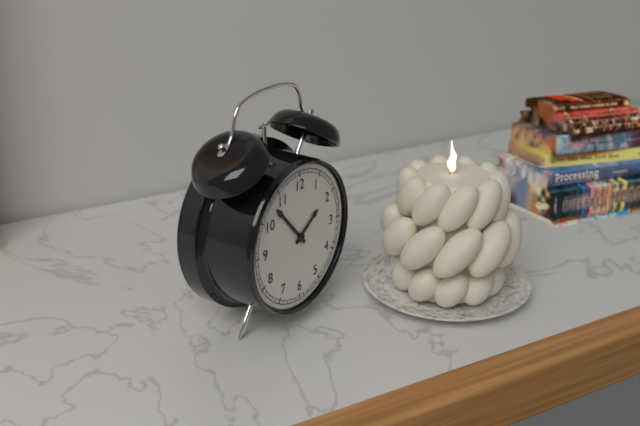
**1:53**
